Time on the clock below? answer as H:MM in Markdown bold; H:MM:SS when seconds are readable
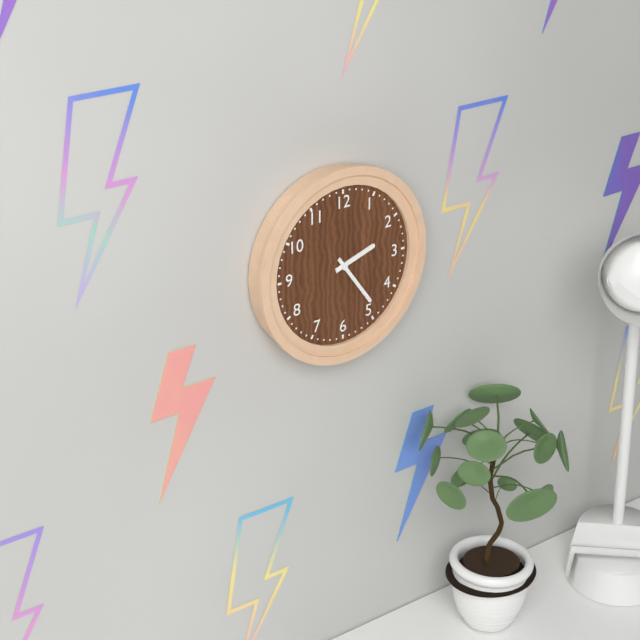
**2:24**
